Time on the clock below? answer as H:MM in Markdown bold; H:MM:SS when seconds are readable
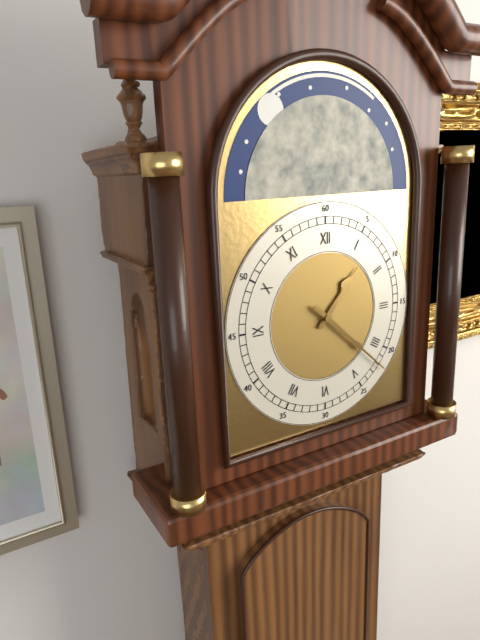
**1:22**
